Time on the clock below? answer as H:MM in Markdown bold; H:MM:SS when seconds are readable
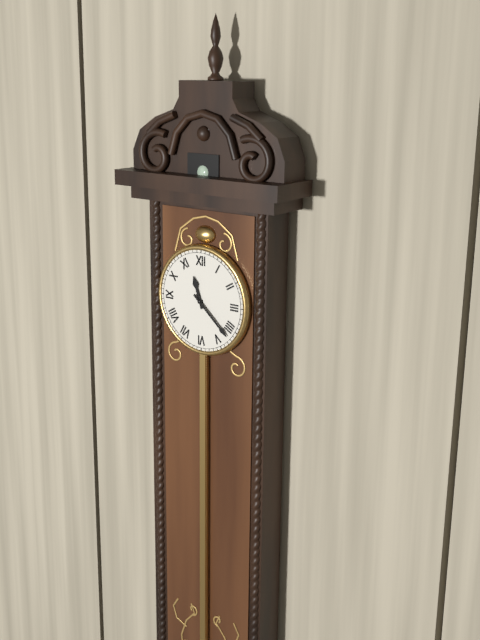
**11:22**
